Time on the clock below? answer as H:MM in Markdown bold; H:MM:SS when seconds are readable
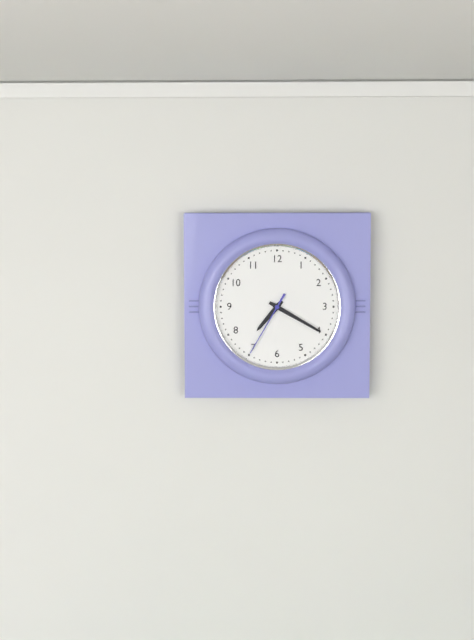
**7:20:35**
